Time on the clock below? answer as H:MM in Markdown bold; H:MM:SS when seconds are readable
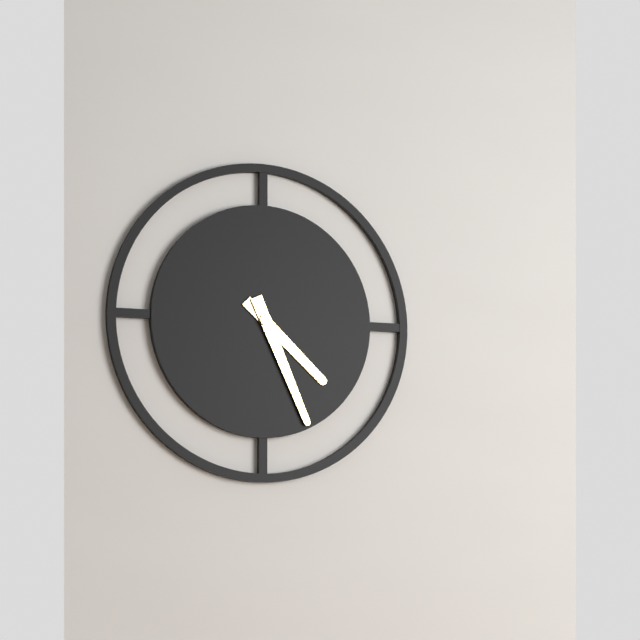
**4:26**
